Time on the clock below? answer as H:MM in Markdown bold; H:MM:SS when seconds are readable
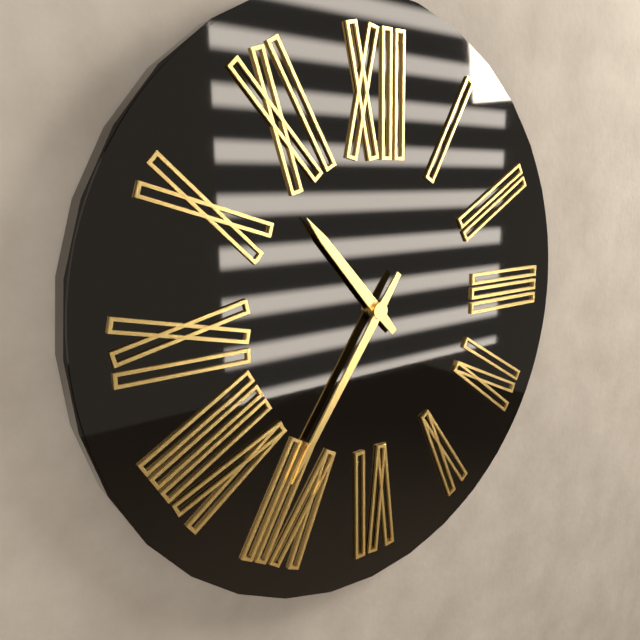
**10:36**
